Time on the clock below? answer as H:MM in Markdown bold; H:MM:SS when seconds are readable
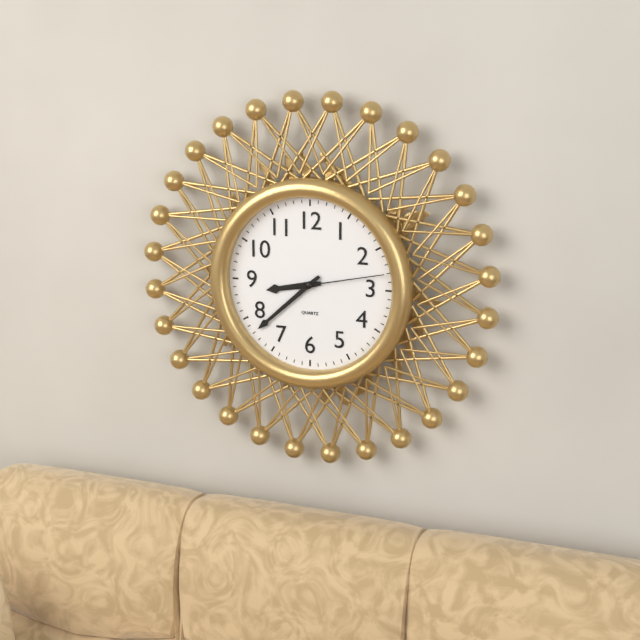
**8:38:13**
